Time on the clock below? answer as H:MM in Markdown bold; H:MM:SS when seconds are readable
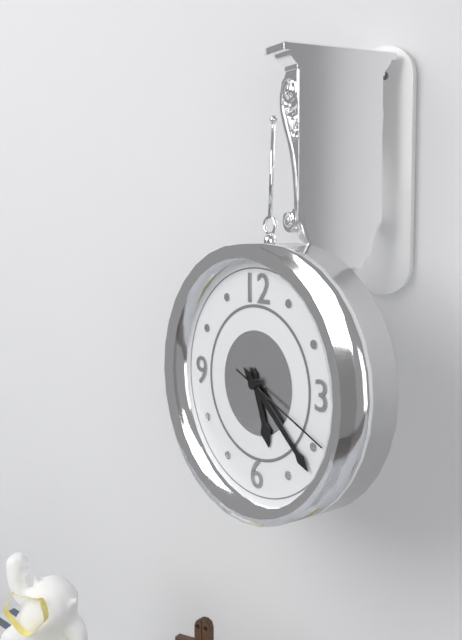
**5:22:19**
